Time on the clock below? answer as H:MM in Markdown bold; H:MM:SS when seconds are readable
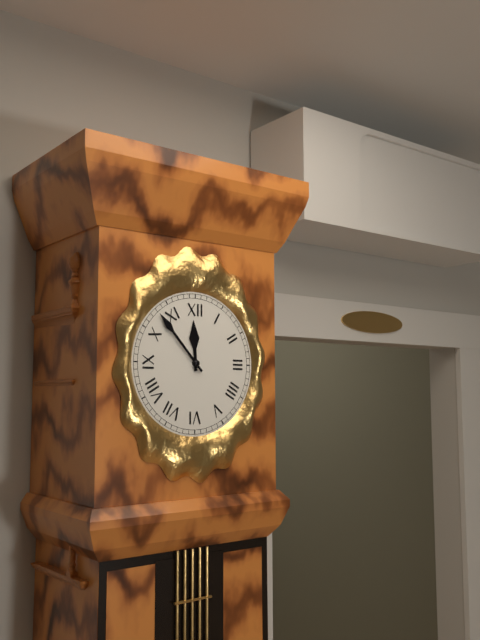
**11:53**
